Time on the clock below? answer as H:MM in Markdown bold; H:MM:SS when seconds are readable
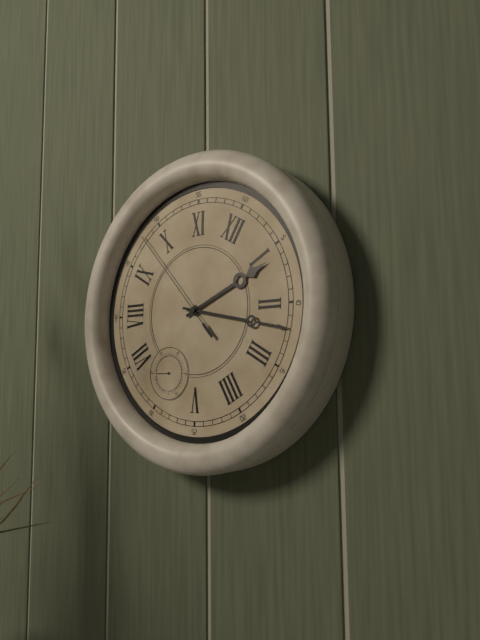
**1:12:48**
